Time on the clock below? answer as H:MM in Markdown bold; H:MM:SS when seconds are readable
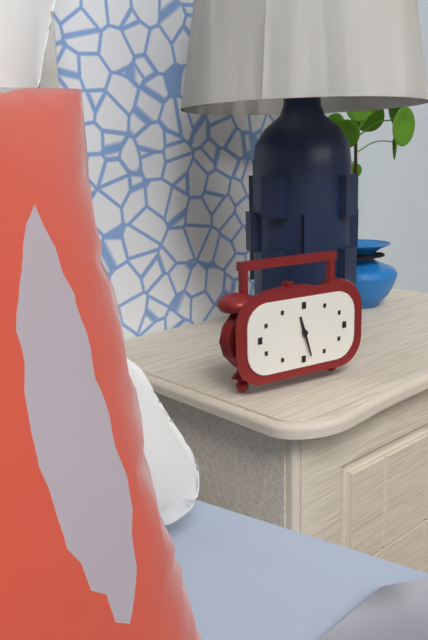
**11:27**
